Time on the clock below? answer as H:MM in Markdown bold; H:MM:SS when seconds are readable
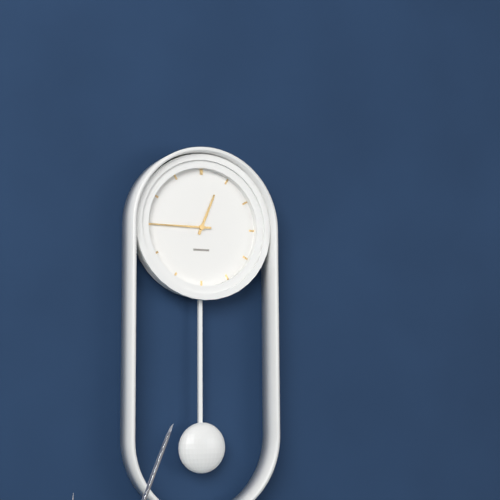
**12:45**
